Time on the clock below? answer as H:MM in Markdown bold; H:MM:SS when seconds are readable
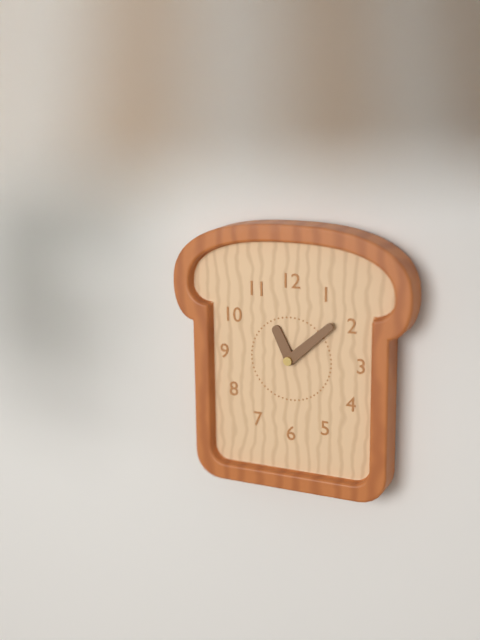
**11:08**
